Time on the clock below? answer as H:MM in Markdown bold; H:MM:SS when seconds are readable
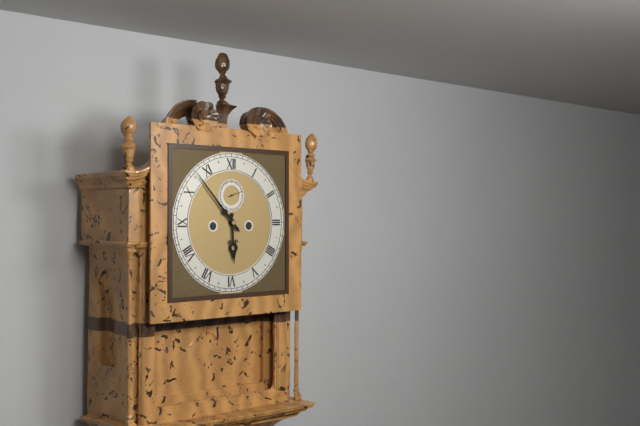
**5:53**
